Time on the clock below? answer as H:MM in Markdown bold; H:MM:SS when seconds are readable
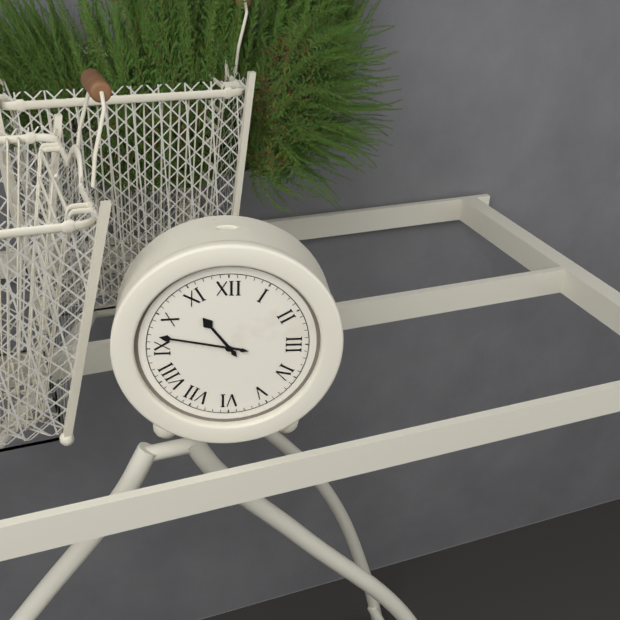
**10:47**
